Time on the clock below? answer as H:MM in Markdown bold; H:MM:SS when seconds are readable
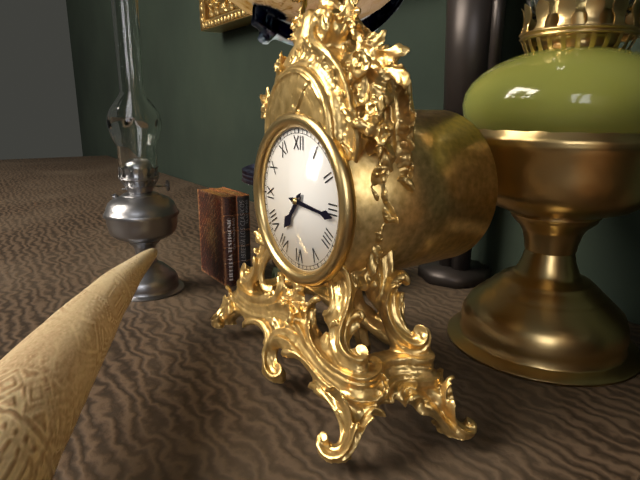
**7:16**
